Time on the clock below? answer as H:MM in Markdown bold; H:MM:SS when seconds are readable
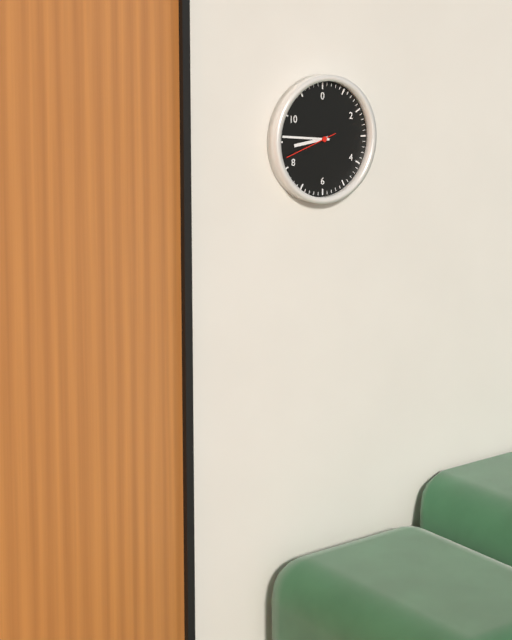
**8:46:42**
